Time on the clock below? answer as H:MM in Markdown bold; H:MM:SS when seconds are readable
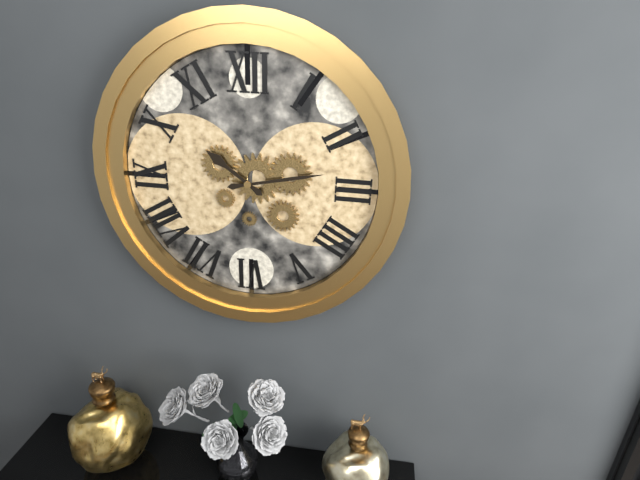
**10:13**
